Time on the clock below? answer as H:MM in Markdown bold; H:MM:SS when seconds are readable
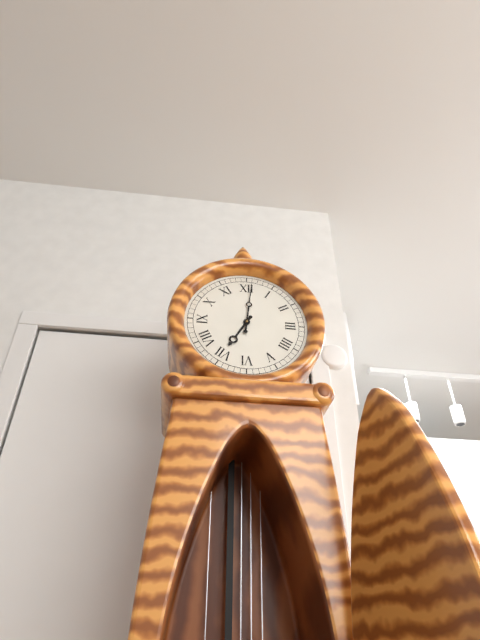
**7:01**
